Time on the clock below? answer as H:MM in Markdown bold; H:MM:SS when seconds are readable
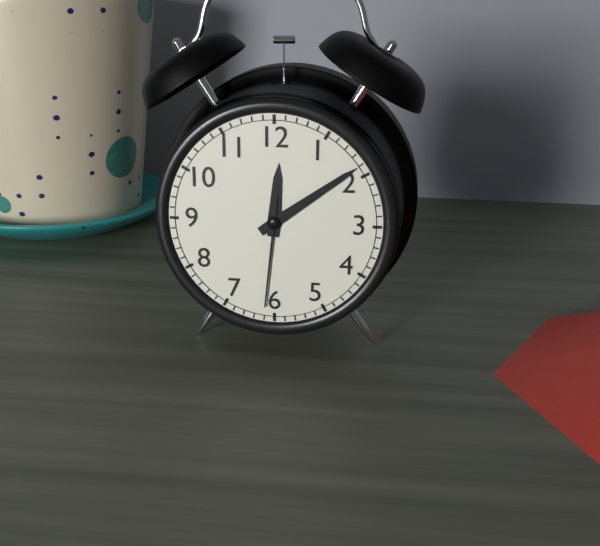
**12:09:31**
